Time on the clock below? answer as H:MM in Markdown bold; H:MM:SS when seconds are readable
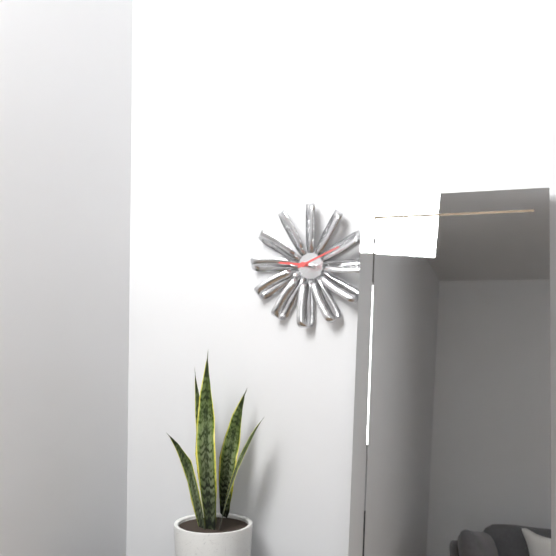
**9:11**
